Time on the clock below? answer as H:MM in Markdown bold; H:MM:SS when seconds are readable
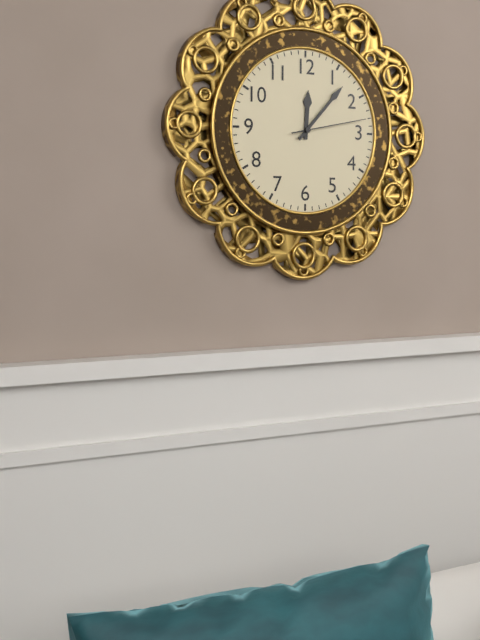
**12:07:13**
